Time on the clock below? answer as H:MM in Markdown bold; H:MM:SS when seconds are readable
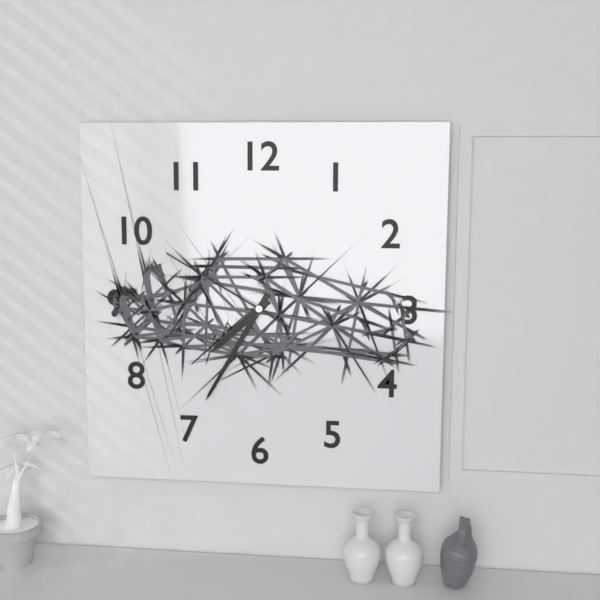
**7:35:50**
